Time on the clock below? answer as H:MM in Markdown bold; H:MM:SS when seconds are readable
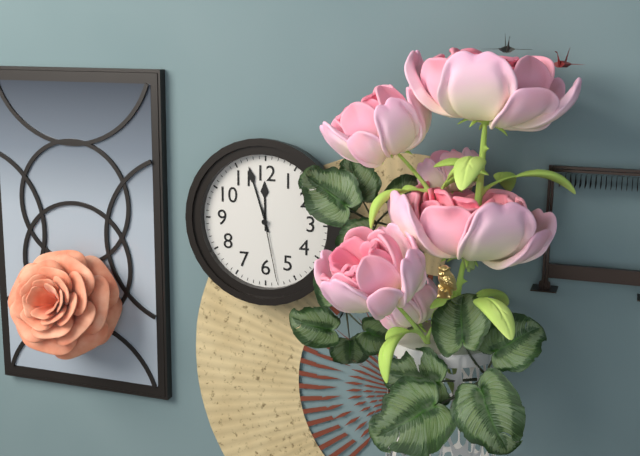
**11:57:28**
